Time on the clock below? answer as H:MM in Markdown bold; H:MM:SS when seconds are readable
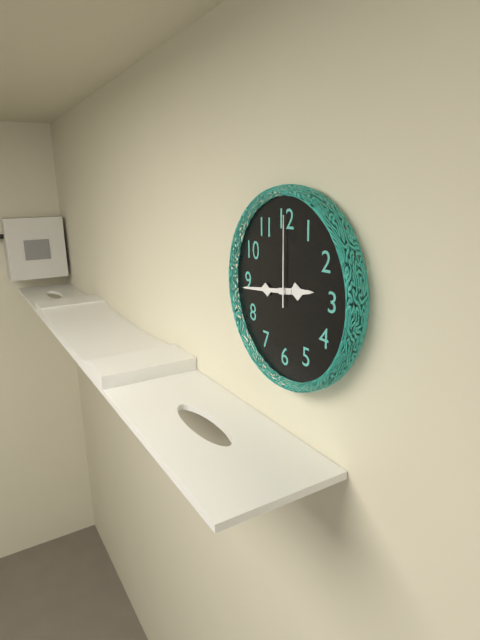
**2:44:00**
